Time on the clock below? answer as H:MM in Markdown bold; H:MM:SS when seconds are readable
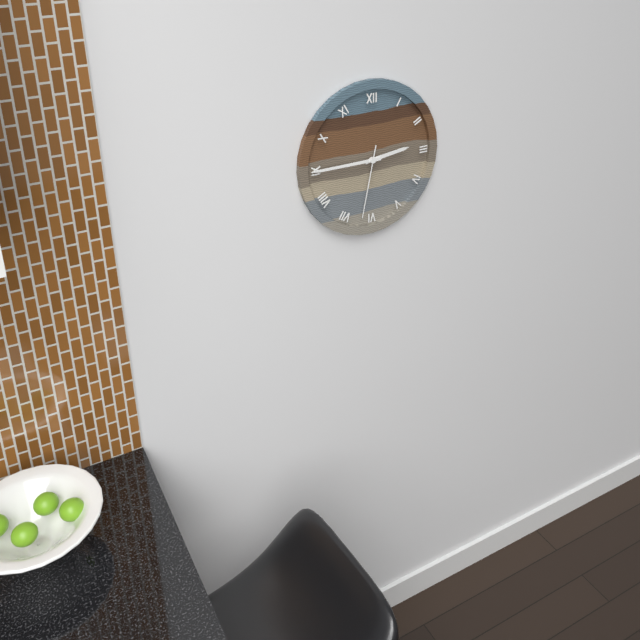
**2:45:32**
